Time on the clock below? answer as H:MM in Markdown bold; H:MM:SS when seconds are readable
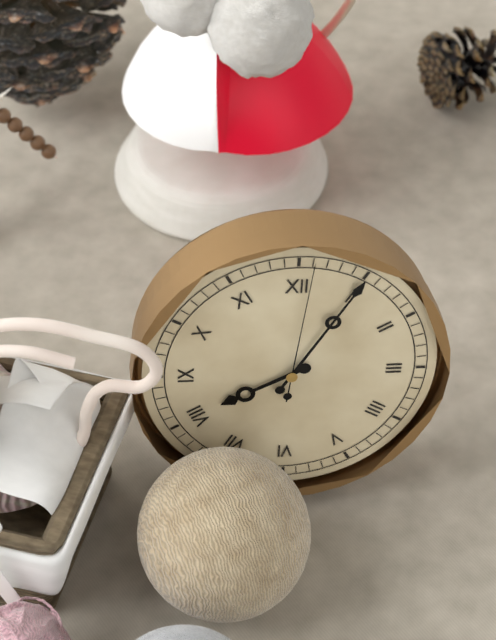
**8:05:01**
